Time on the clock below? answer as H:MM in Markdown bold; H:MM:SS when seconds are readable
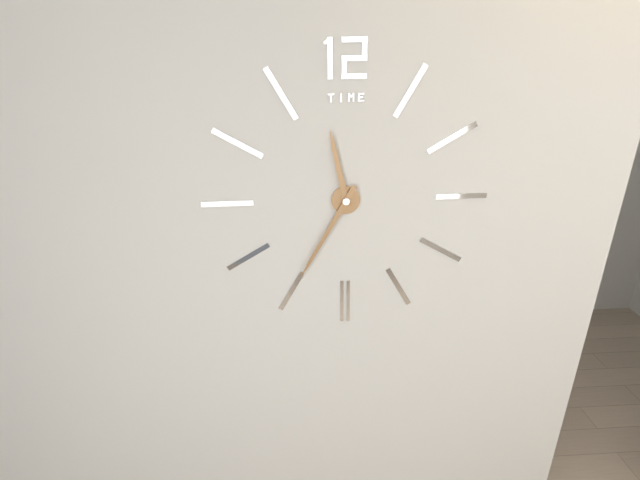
**11:35**
